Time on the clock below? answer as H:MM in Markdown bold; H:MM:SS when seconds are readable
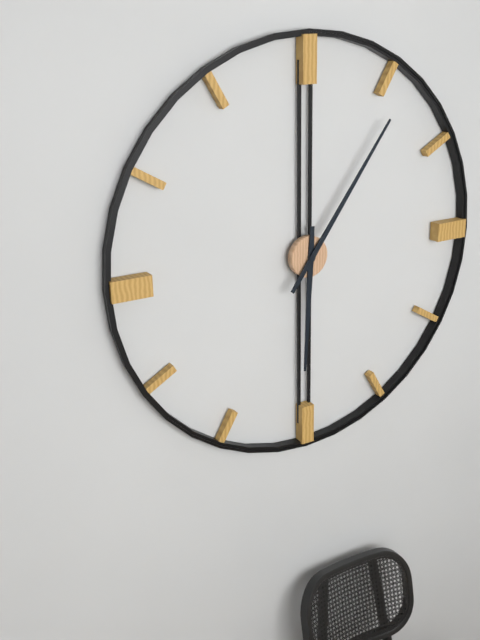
**6:06**
